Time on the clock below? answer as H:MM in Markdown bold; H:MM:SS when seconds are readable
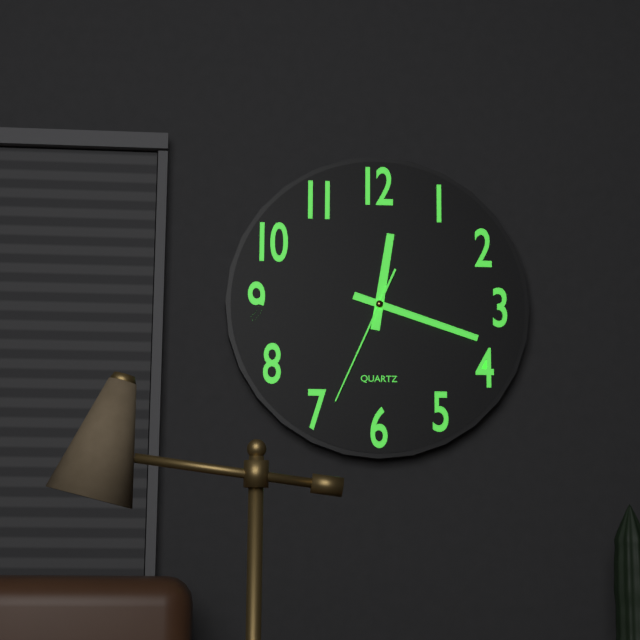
**12:18:34**
